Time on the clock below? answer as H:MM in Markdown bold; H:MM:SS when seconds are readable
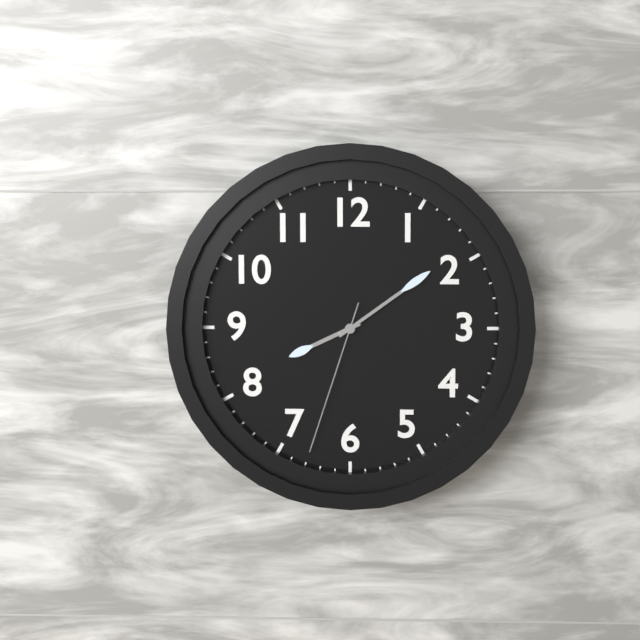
**8:09:33**
